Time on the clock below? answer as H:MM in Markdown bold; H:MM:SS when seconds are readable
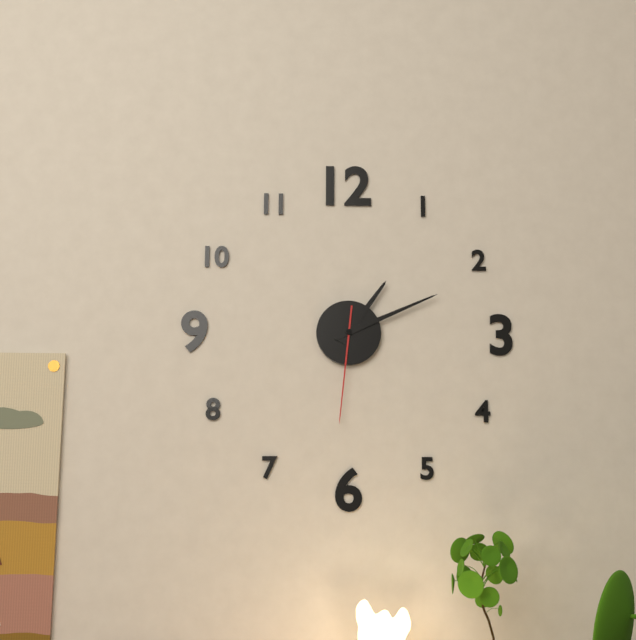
**1:11:31**
